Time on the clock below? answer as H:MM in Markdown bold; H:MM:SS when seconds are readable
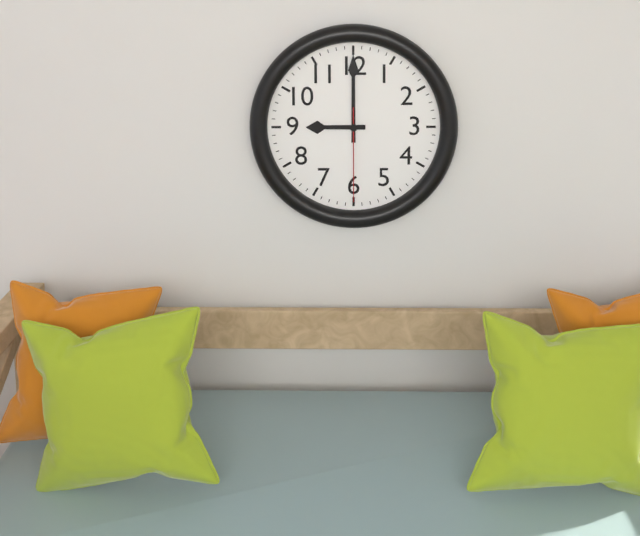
**9:00:30**
